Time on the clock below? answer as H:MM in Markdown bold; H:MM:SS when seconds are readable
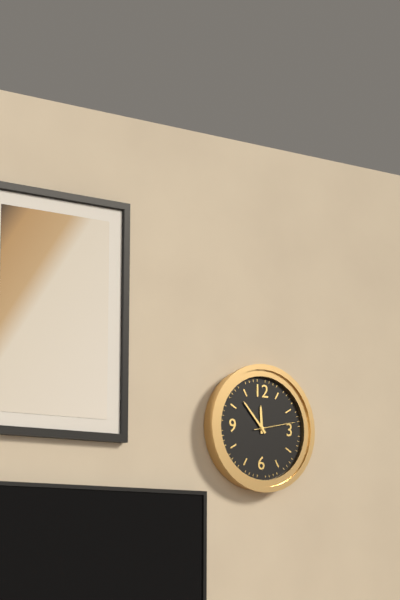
**11:53**
